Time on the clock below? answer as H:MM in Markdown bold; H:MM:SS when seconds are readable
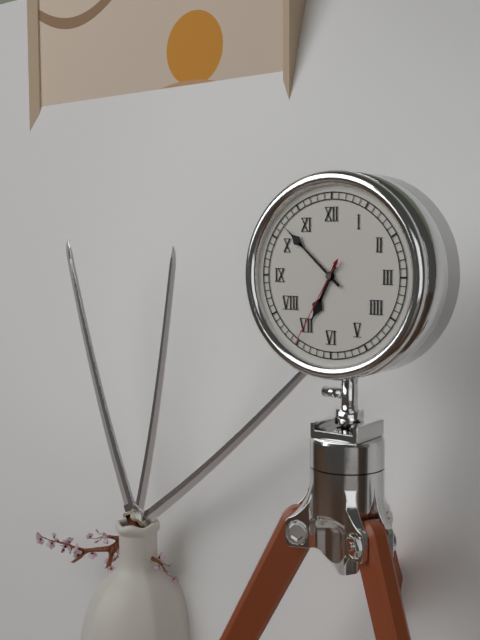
**6:52:35**
